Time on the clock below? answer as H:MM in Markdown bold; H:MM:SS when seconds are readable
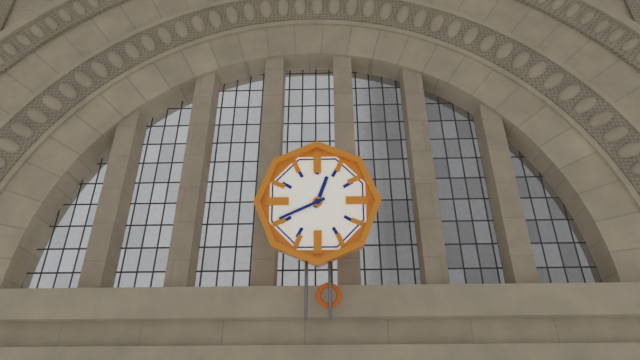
**12:41**
